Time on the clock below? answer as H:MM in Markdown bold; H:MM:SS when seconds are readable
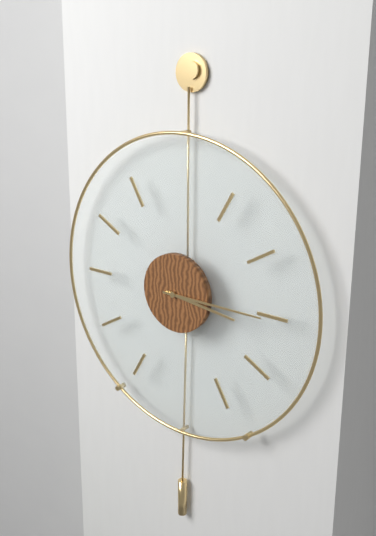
**3:15**
